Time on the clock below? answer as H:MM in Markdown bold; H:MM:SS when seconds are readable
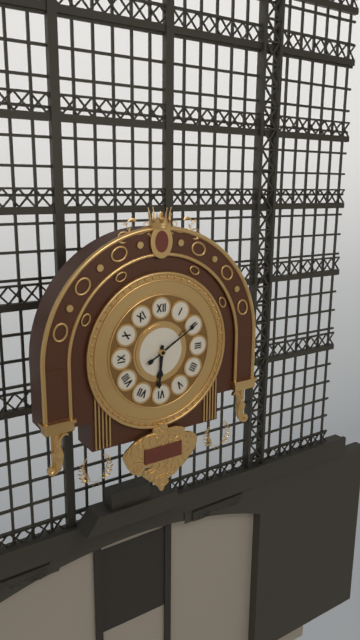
**6:10**
